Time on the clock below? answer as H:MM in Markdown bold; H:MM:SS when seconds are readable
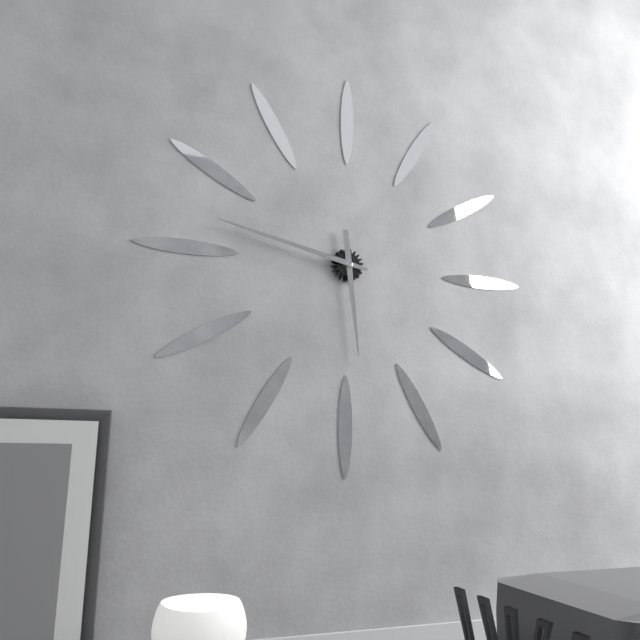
**5:47**
